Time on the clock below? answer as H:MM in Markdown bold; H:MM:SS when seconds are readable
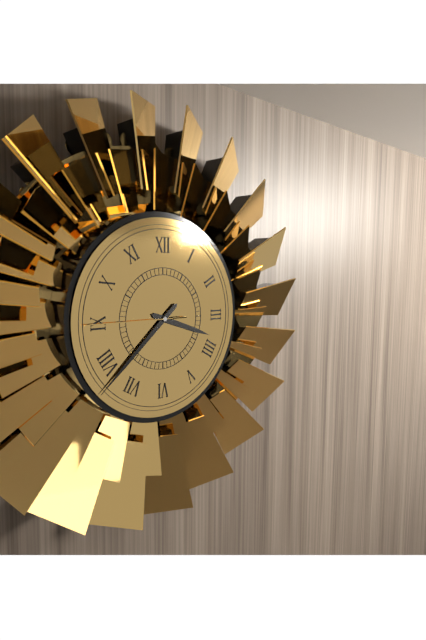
**3:38:45**
